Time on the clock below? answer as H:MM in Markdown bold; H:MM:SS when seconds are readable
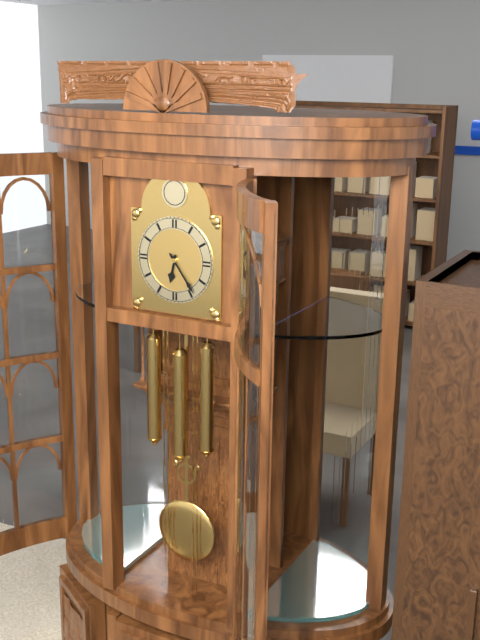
**6:24**
